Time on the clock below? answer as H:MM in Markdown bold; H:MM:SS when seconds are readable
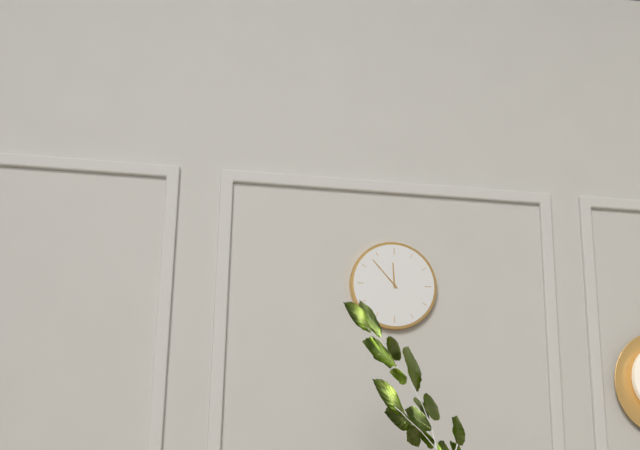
**11:53**
